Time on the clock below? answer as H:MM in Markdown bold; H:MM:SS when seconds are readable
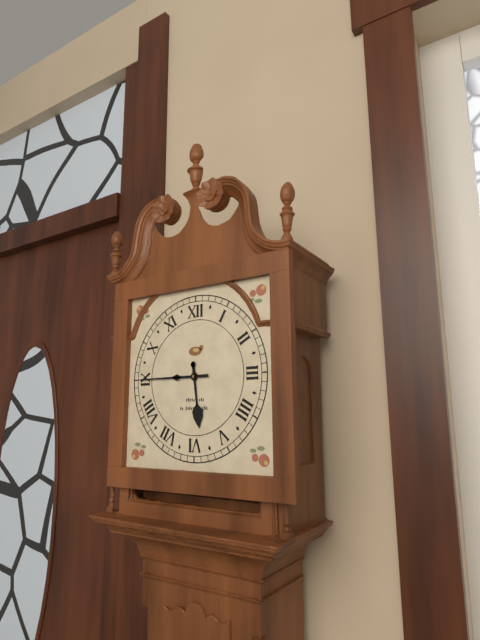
**5:45**
